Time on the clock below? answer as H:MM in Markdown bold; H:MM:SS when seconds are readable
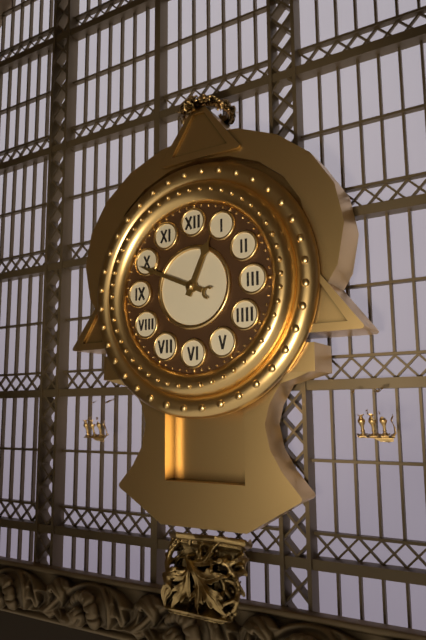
**12:49**
